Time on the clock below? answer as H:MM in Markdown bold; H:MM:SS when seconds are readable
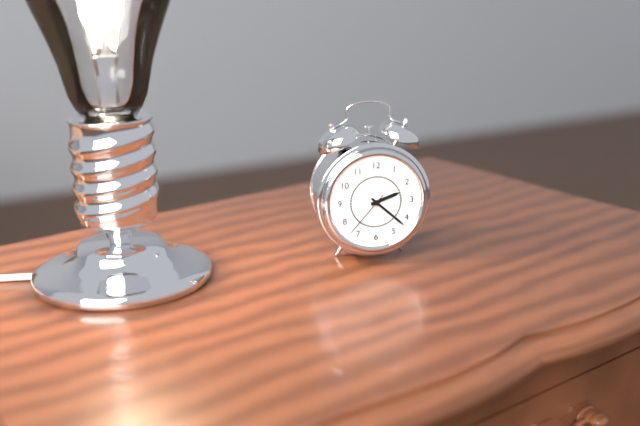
**2:22:37**
